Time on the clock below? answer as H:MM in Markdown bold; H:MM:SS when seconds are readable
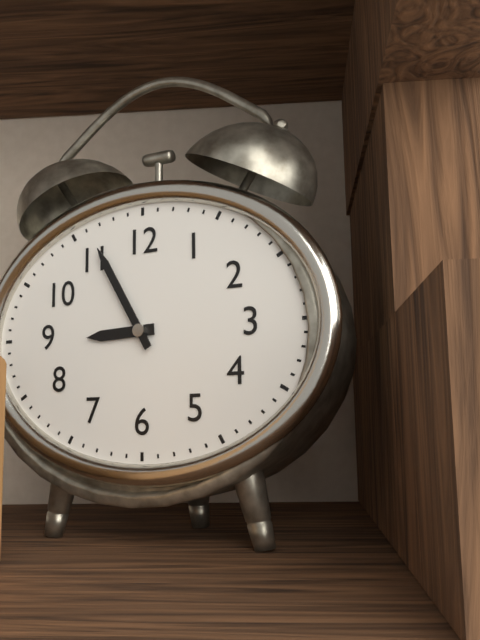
**8:55**
